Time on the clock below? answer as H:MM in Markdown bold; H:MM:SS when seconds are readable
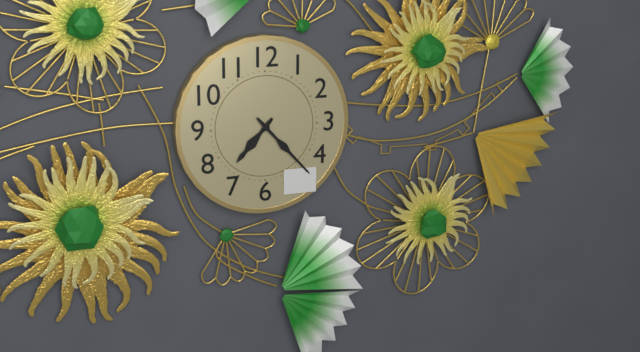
**7:23**
